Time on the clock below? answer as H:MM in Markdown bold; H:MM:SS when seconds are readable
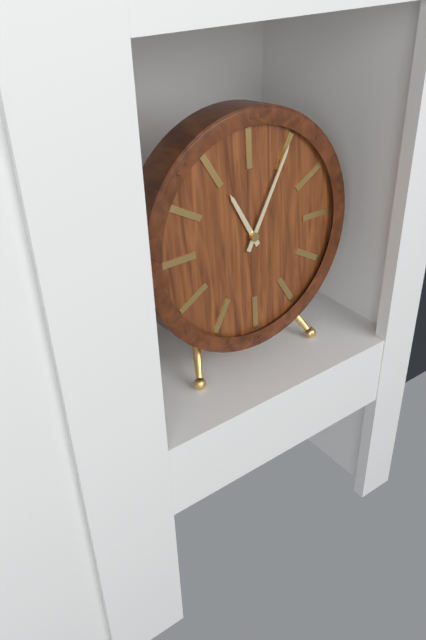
**11:05**
